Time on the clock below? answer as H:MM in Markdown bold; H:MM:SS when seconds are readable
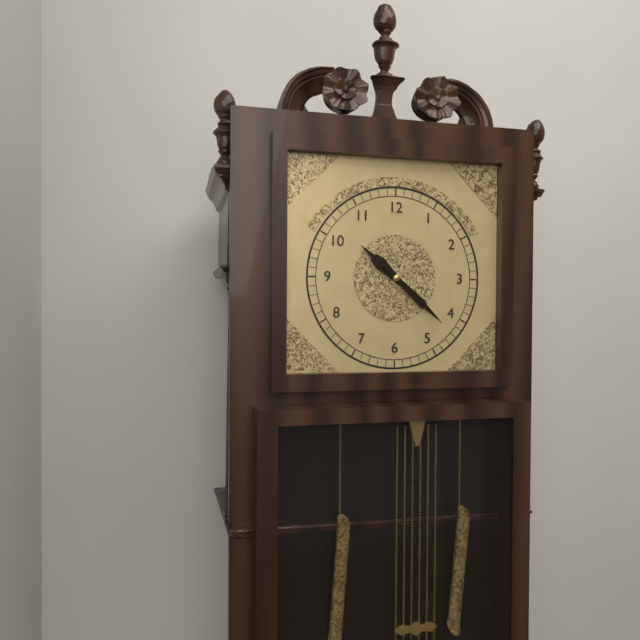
**10:22**
